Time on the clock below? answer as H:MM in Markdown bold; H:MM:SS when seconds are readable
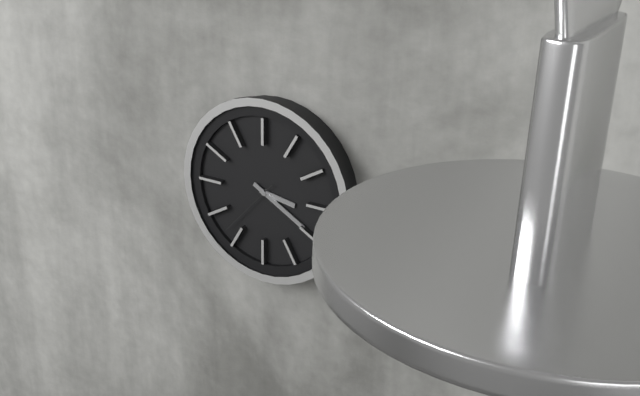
**3:20:37**
